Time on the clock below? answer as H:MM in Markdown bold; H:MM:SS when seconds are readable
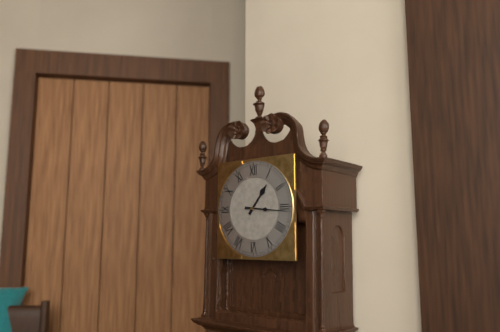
**1:16**
